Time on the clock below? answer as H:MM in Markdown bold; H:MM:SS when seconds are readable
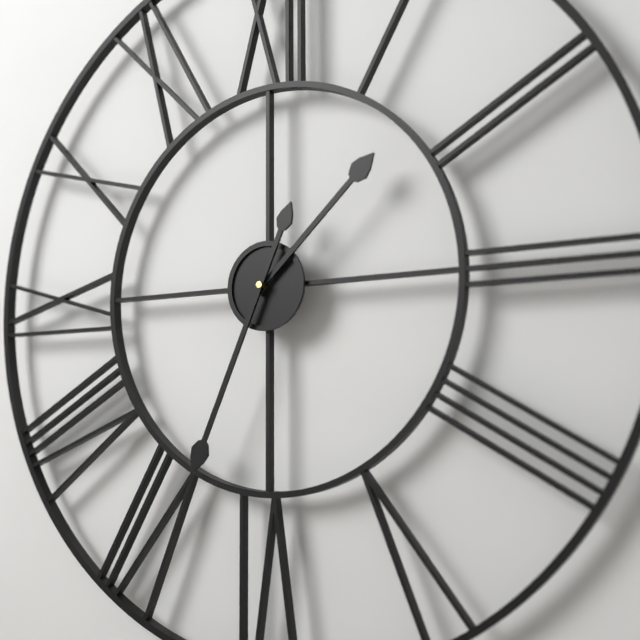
**1:34**
